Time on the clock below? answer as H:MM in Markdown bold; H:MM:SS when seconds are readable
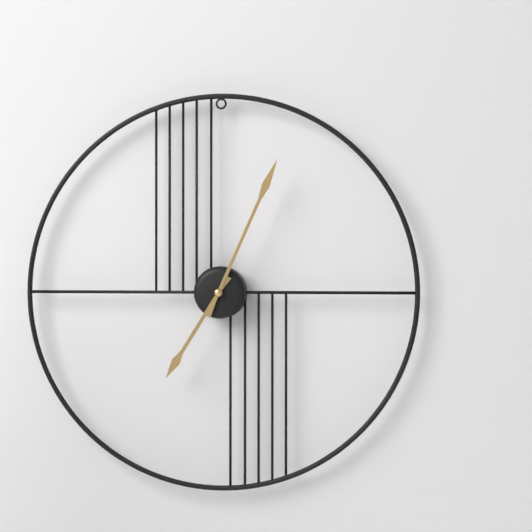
**7:04**
